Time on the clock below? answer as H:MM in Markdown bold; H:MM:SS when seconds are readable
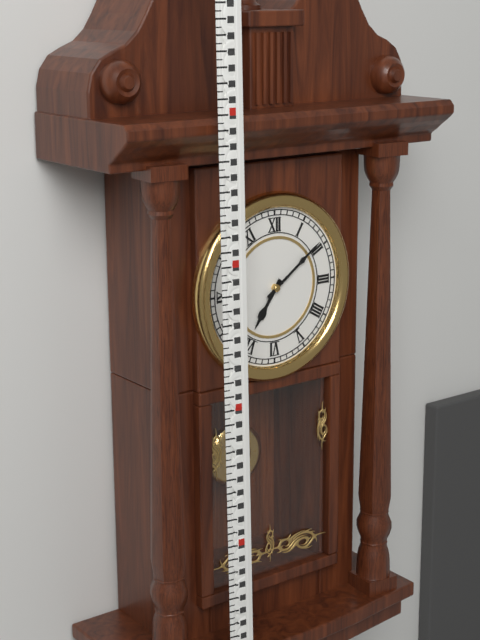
**7:09**
